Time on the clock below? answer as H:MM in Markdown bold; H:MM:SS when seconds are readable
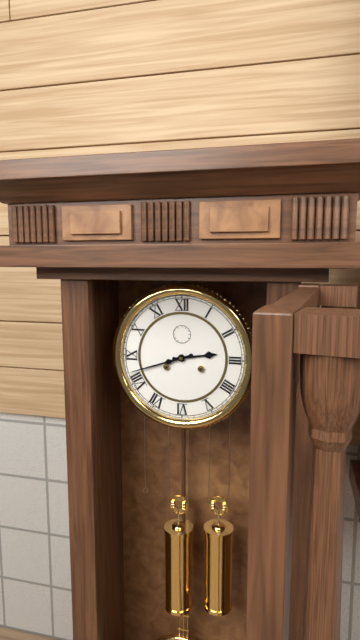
**2:42**
